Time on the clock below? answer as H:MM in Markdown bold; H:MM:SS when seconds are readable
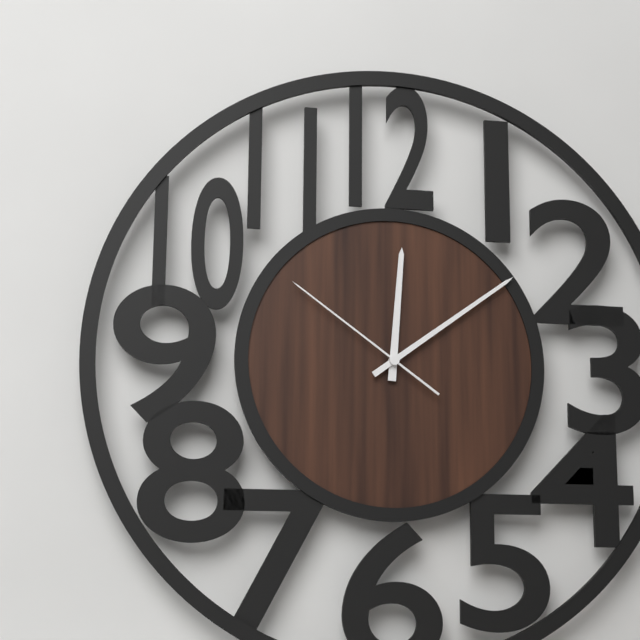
**12:09:51**
